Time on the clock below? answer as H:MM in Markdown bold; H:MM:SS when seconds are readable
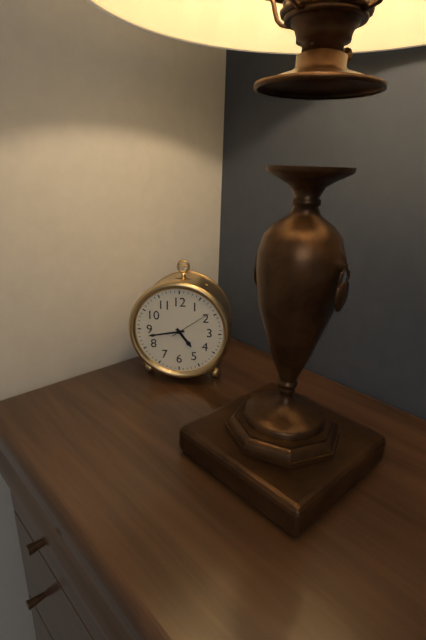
**4:43**
